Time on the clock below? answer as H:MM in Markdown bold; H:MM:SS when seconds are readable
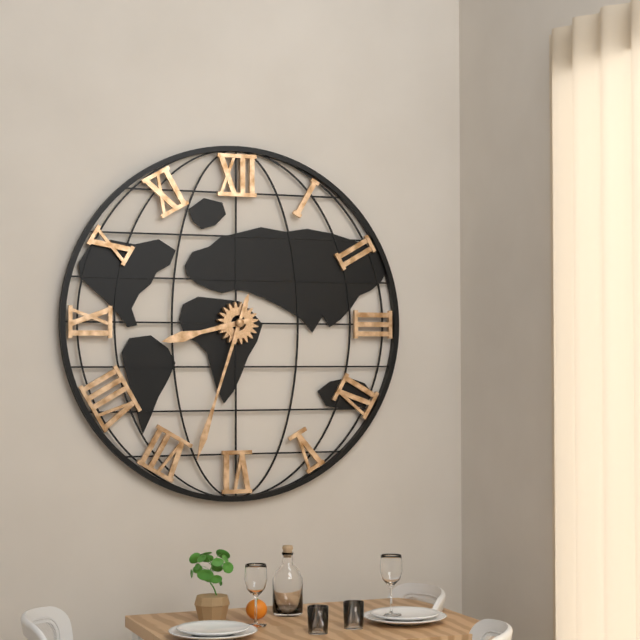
**8:33**
